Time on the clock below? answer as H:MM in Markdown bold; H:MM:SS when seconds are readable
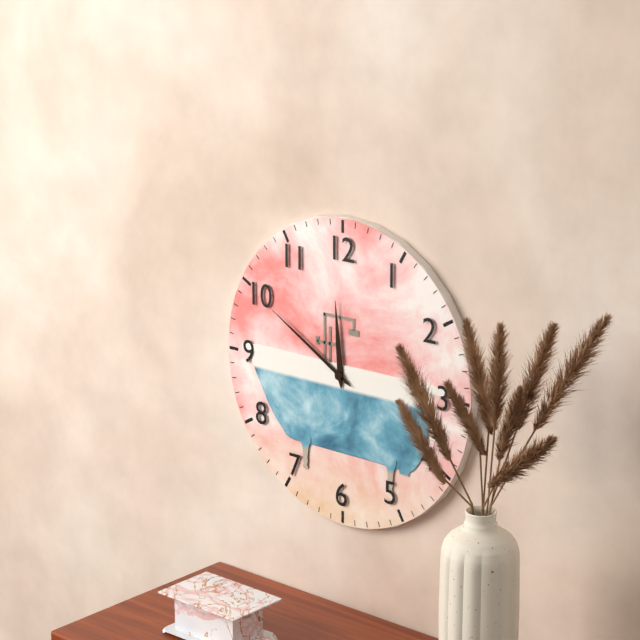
**11:50**
